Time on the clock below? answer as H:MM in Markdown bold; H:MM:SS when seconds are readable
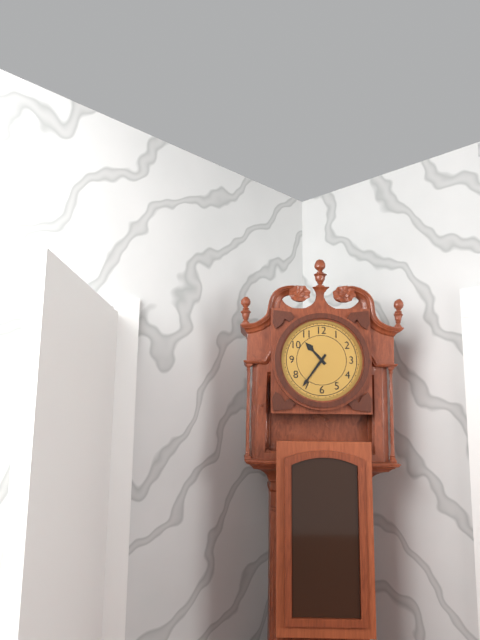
**10:36**
